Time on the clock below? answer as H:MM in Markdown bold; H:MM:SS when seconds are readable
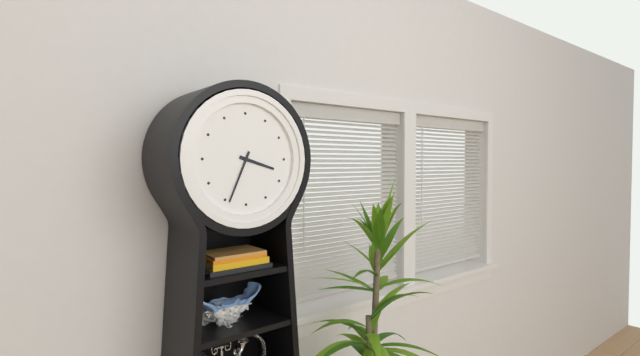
**3:34**
